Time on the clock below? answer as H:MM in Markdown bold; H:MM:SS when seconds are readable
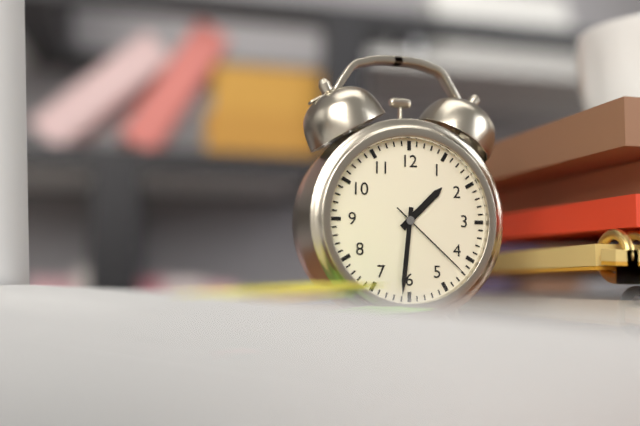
**1:31:22**
